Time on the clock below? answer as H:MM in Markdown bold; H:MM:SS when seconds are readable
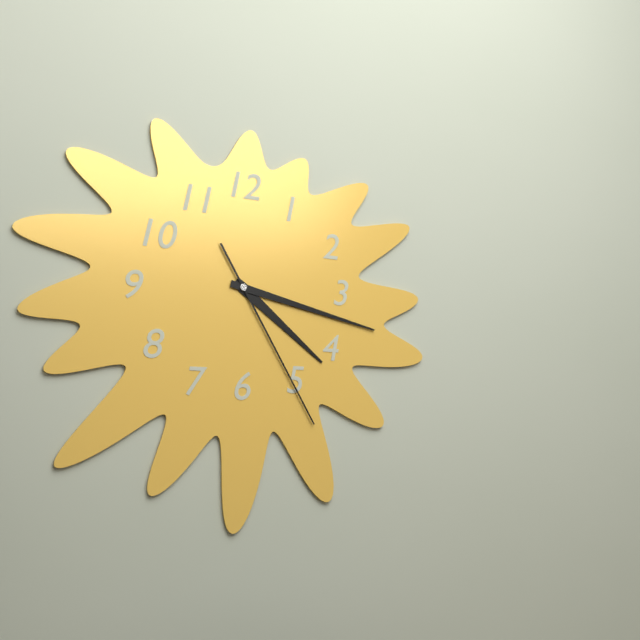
**4:17:25**
